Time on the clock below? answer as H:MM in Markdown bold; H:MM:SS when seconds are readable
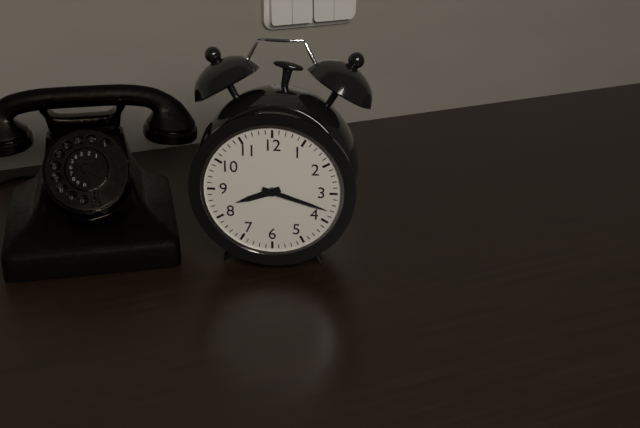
**8:18**
